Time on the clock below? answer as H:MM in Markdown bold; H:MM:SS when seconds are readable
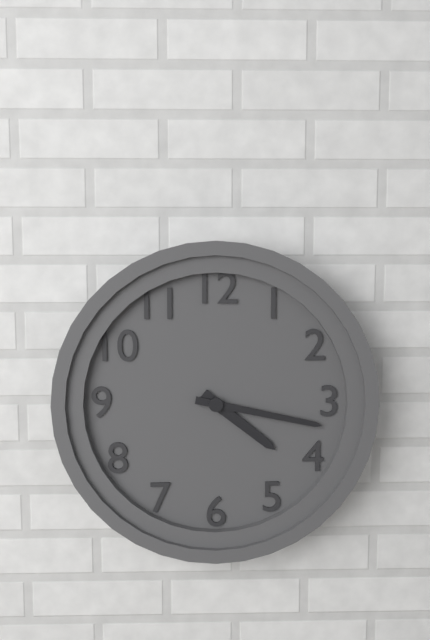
**4:17**
